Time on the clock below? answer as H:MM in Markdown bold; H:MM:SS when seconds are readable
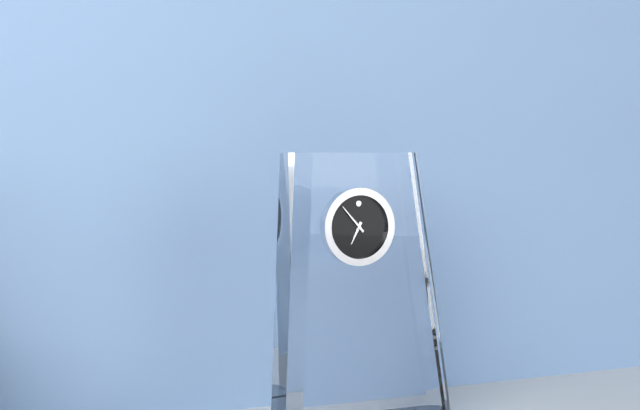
**6:53**
